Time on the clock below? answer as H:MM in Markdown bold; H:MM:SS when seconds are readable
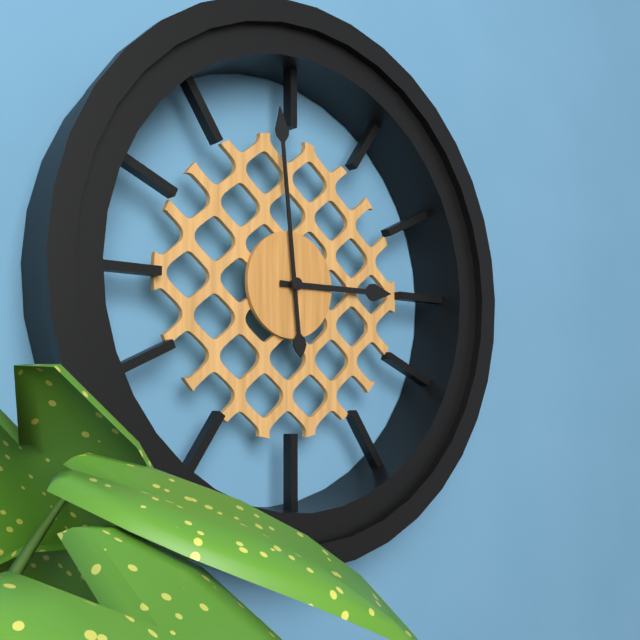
**2:59**
